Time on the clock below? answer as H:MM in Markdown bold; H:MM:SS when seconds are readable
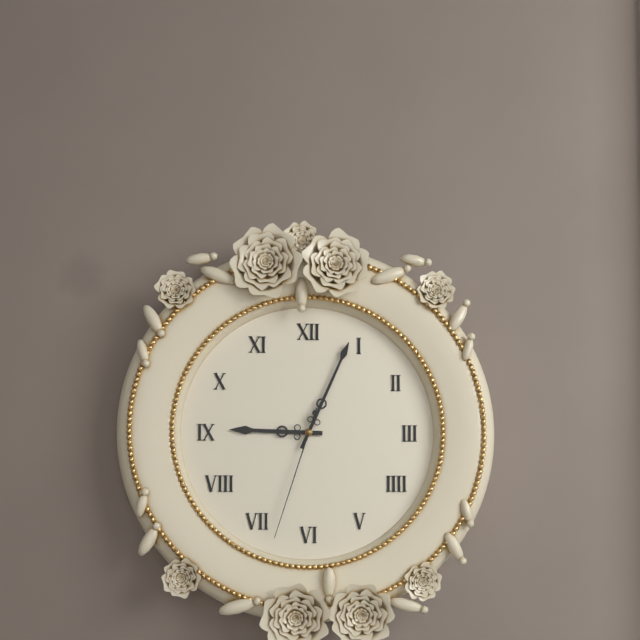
**9:04:33**
